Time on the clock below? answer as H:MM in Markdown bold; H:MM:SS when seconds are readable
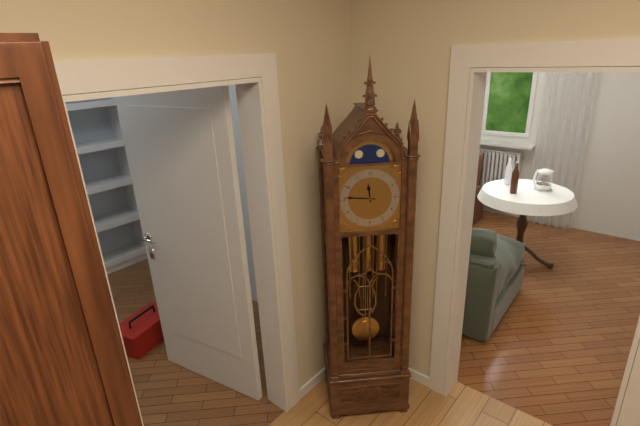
**11:46**
